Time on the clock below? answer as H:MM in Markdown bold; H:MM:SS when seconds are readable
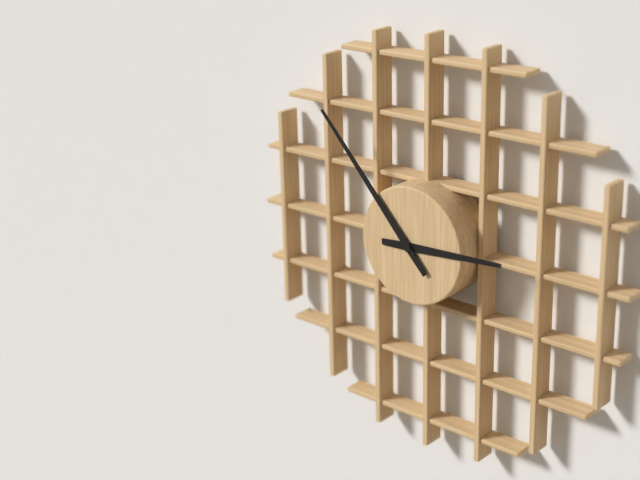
**2:53**
